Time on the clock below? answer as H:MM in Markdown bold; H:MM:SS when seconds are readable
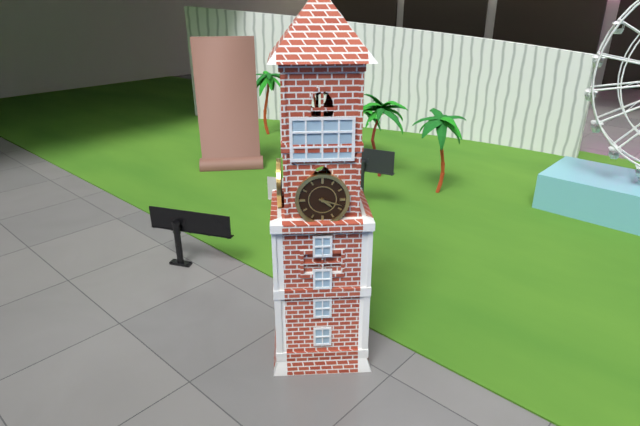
**4:18**
